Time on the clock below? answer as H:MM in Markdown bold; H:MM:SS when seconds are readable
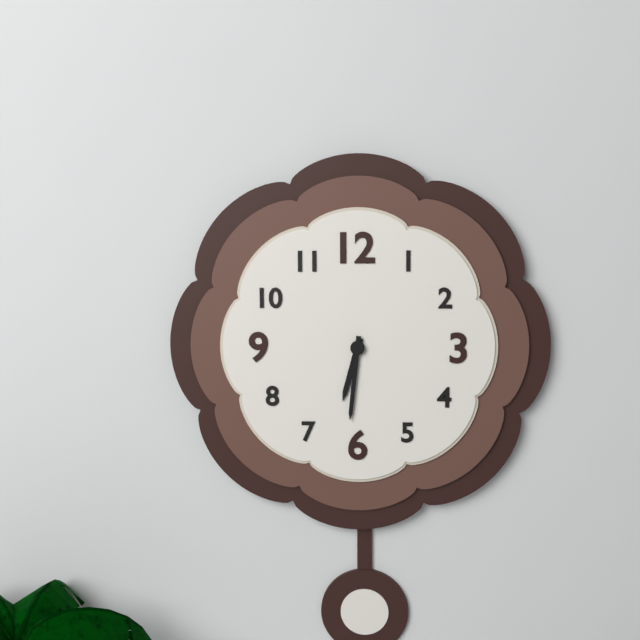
**6:31**
